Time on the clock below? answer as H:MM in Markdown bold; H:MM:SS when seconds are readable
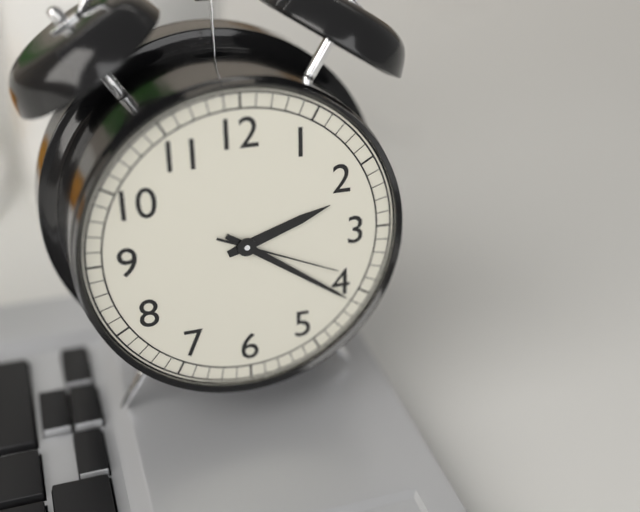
**2:21:19**
